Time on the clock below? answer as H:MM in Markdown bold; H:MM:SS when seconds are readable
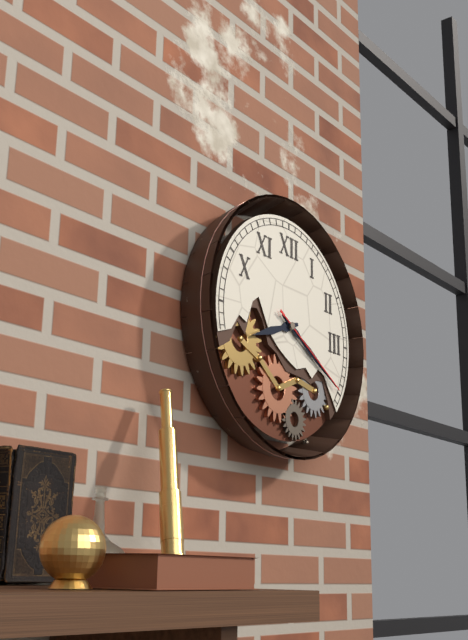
**8:20:20**
